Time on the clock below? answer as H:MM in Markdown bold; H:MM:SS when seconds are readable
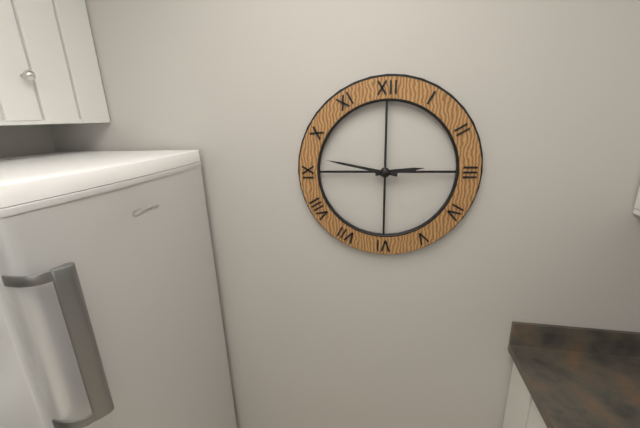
**2:47**
